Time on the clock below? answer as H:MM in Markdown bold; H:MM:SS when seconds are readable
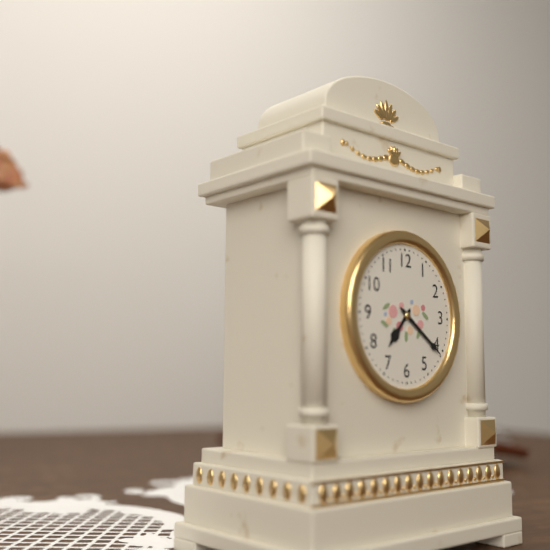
**7:21**
